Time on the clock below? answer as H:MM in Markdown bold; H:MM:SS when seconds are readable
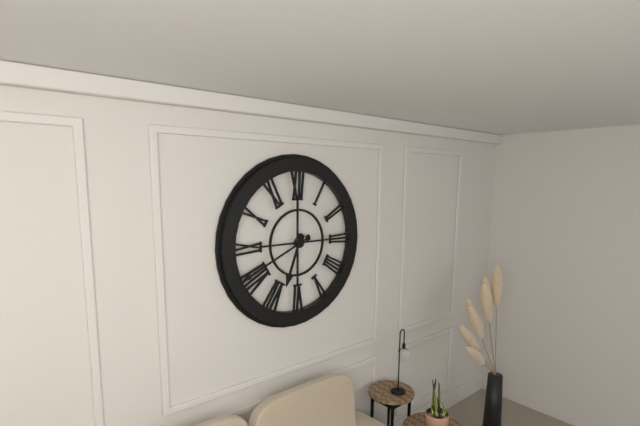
**6:41**
